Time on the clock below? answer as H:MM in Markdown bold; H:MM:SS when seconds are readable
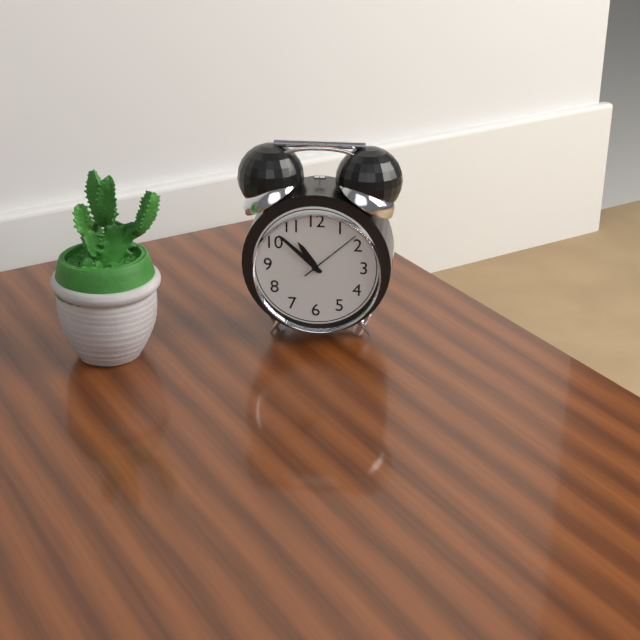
**10:52:08**
